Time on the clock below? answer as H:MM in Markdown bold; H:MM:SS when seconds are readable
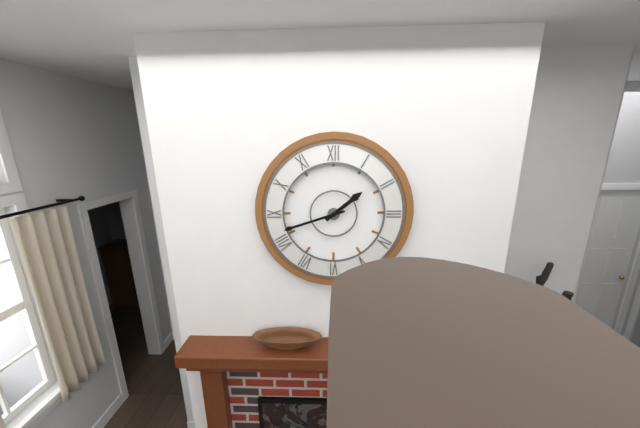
**1:42**
